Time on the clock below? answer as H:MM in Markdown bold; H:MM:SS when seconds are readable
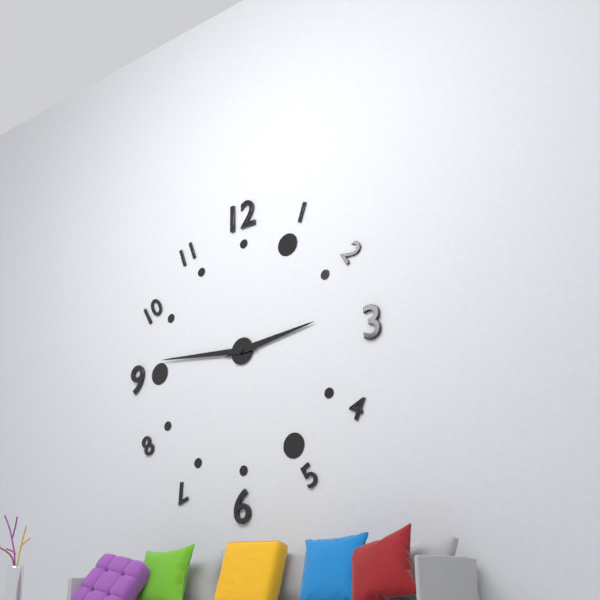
**2:46**
